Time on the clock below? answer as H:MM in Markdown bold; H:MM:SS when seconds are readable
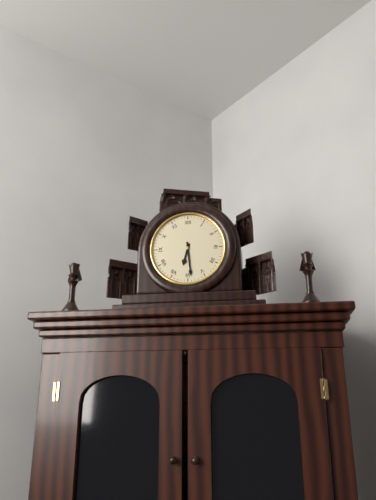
**6:29**
